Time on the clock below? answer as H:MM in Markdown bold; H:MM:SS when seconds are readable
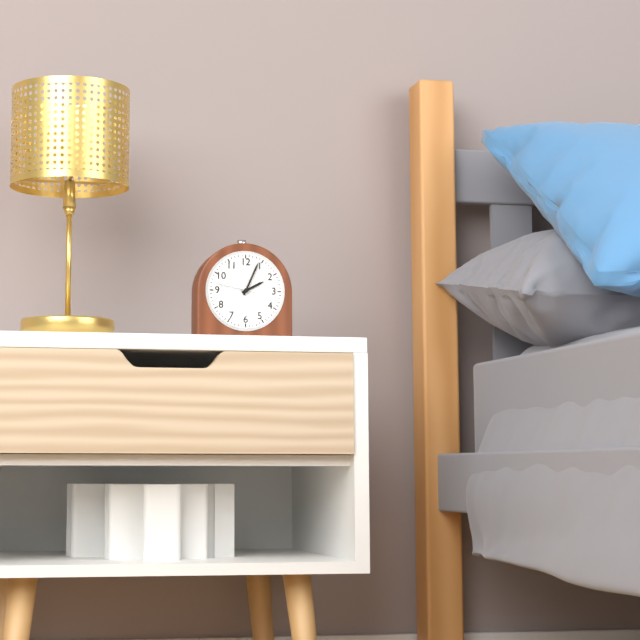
**2:04**
